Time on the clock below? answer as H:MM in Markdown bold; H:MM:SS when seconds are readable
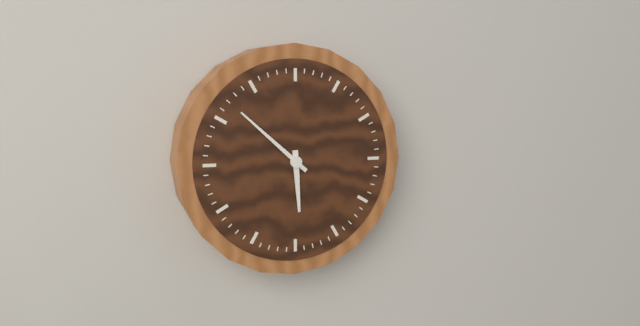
**5:52**
